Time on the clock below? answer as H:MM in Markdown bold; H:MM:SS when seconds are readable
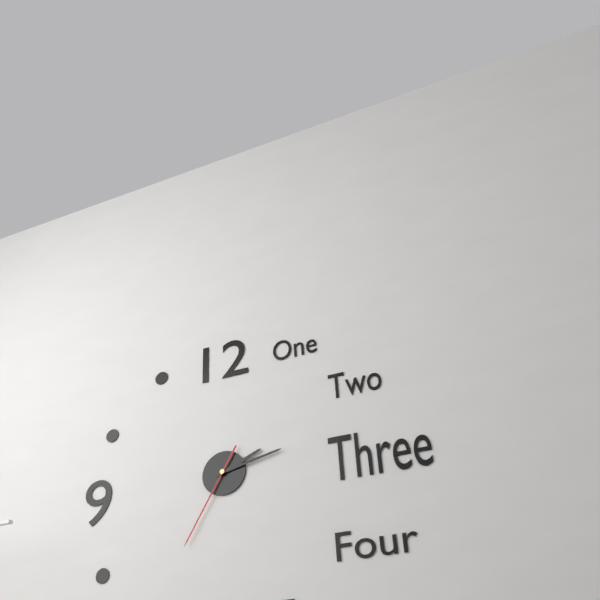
**2:13:35**
